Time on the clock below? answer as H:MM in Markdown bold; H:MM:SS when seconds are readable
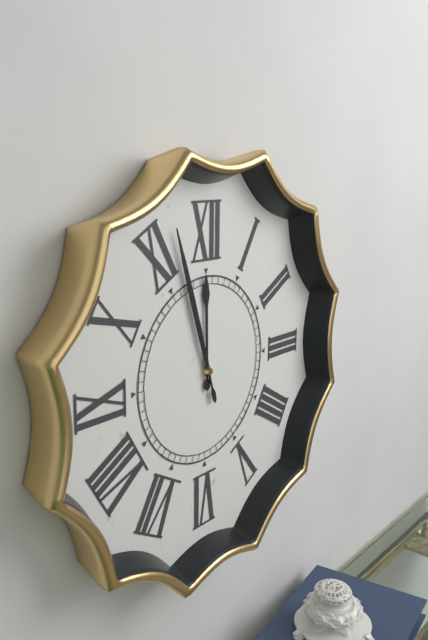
**11:57**
